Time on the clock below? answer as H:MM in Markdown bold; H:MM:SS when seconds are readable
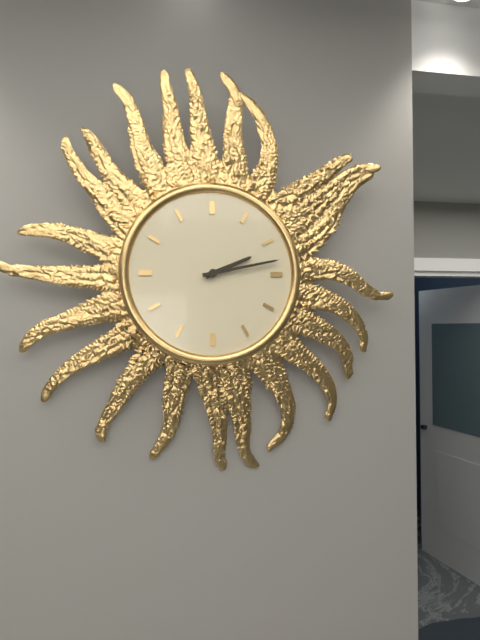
**2:13**
